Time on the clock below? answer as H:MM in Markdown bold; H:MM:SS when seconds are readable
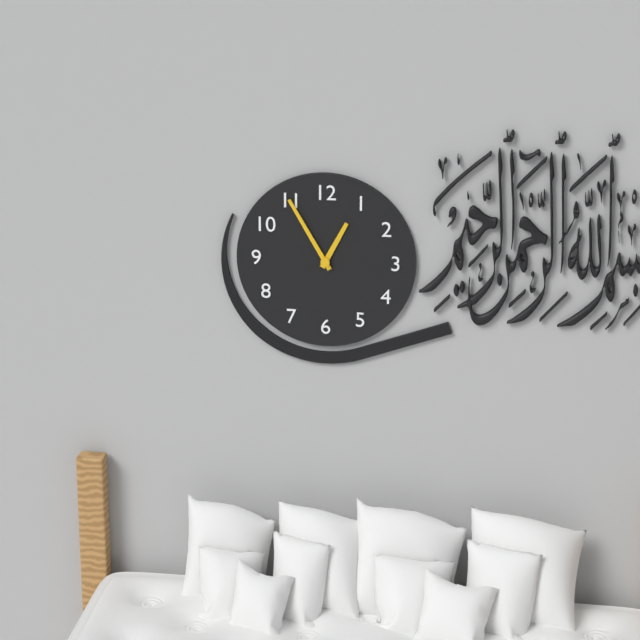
**12:55**
